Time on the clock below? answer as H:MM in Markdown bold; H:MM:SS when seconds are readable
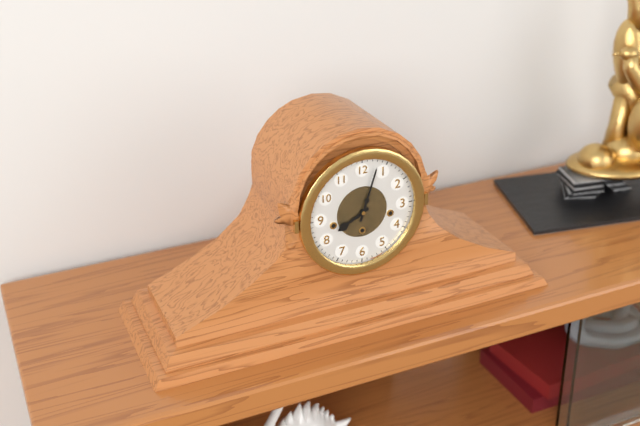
**8:03**
